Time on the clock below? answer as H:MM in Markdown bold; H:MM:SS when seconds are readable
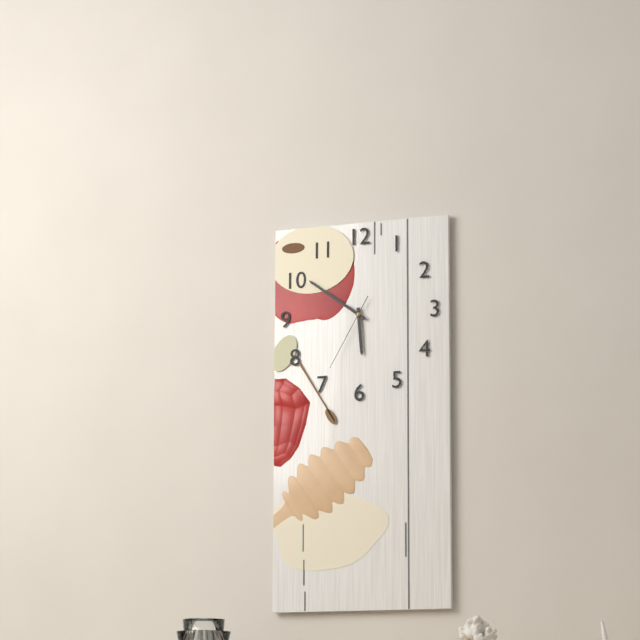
**5:51:35**
